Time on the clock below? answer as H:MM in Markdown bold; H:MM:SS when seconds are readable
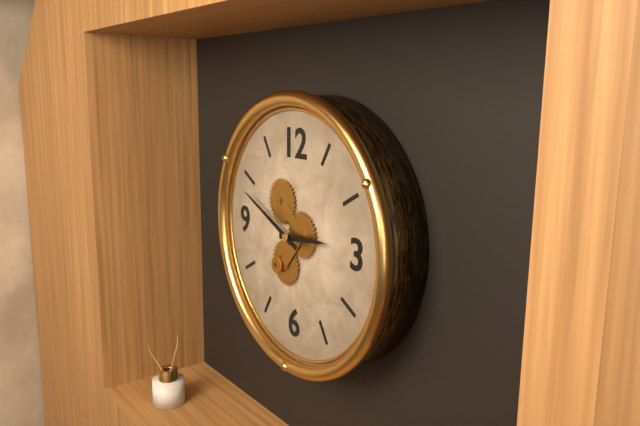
**2:49**
